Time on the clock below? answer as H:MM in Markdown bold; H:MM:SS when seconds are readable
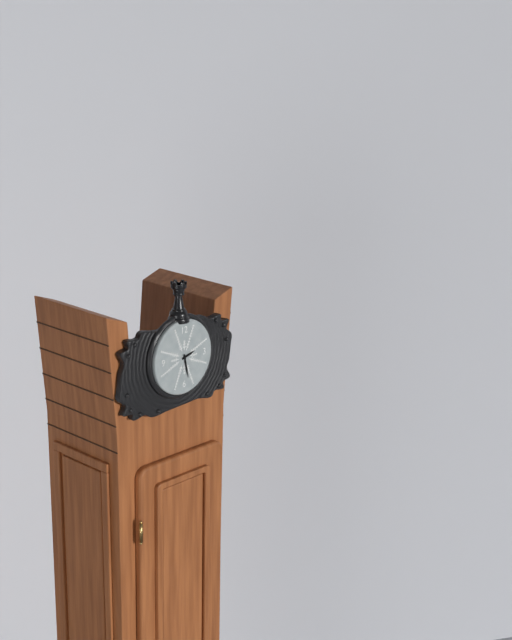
**2:28**
